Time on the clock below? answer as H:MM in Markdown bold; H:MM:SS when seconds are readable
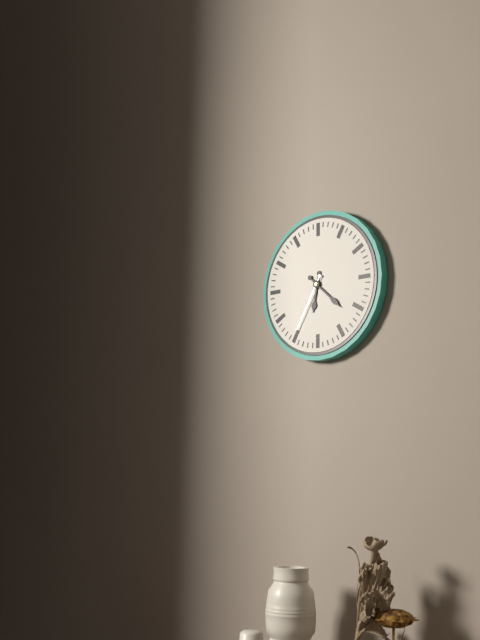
**6:22:35**
